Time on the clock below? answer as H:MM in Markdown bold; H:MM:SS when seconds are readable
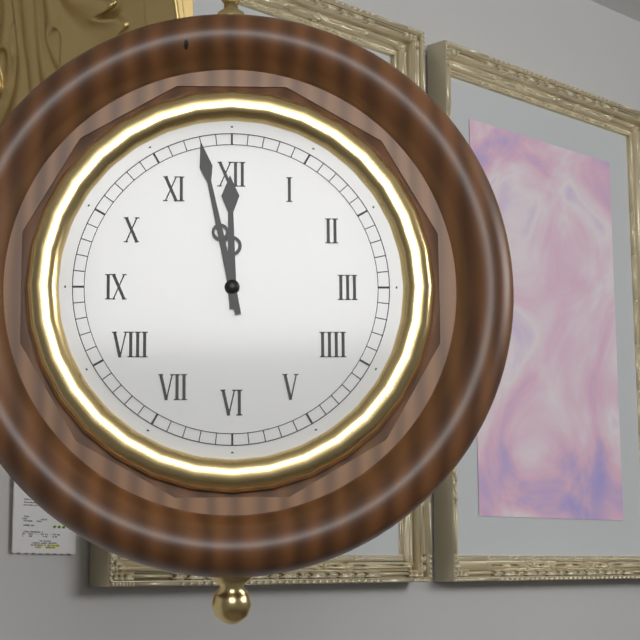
**11:58**
